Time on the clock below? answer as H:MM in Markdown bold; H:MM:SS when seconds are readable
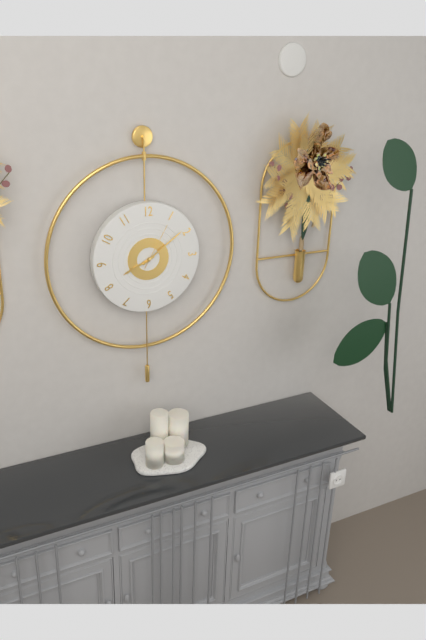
**8:09**
